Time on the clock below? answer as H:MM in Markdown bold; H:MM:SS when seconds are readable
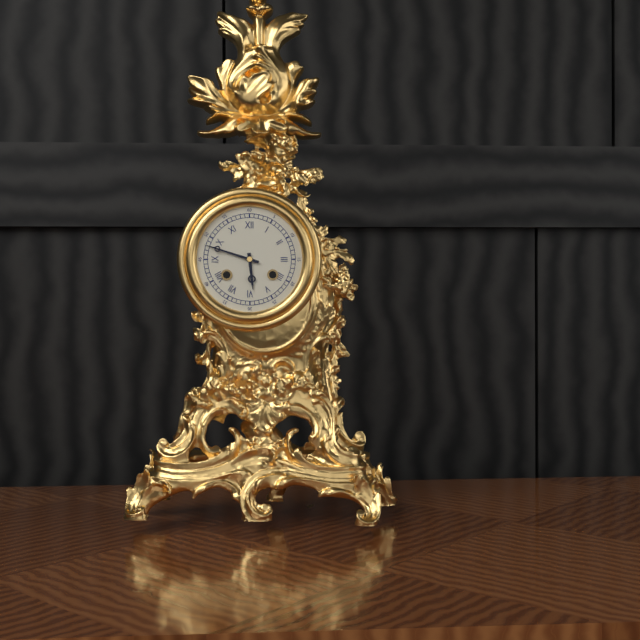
**5:48**
